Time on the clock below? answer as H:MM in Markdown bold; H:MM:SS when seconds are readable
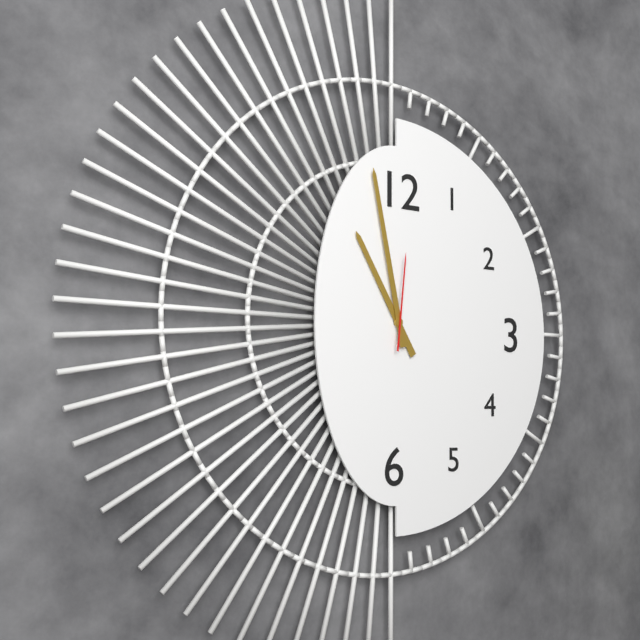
**10:58:01**
